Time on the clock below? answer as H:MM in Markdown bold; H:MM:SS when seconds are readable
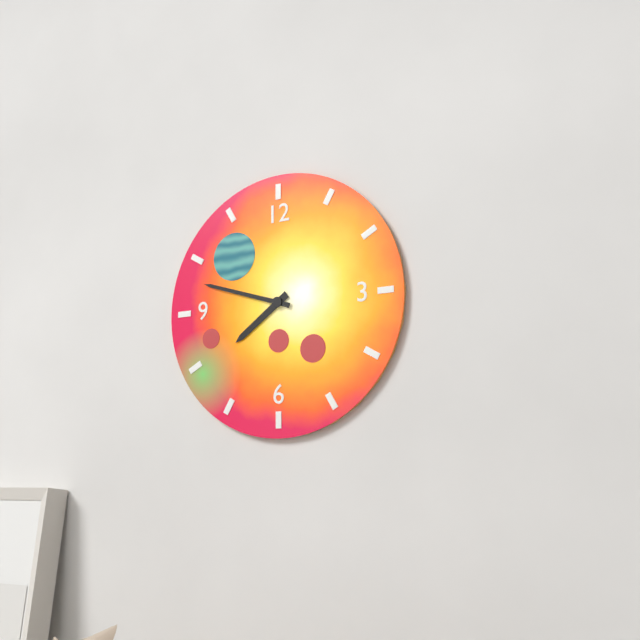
**7:48**
